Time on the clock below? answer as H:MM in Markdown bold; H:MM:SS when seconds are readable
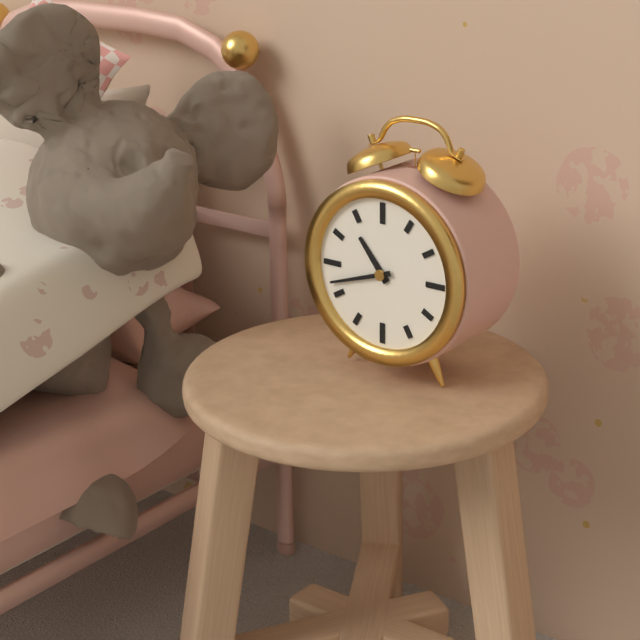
**10:42**
